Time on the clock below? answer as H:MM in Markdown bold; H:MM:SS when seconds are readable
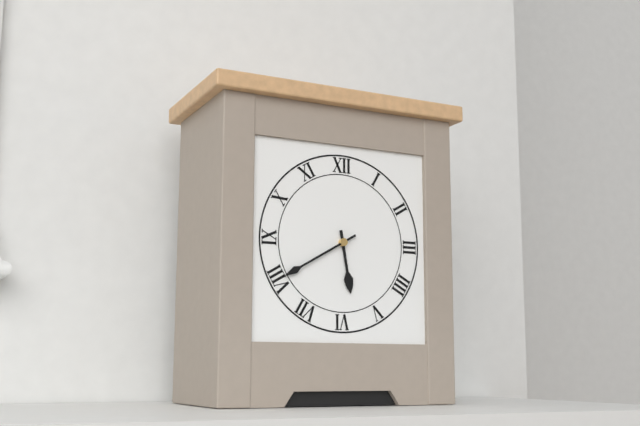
**5:40**
